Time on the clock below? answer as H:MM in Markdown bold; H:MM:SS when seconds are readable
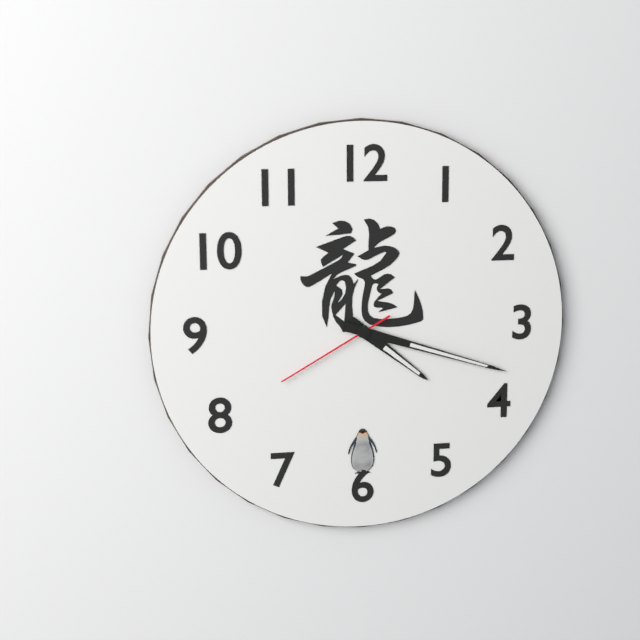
**4:18:40**
